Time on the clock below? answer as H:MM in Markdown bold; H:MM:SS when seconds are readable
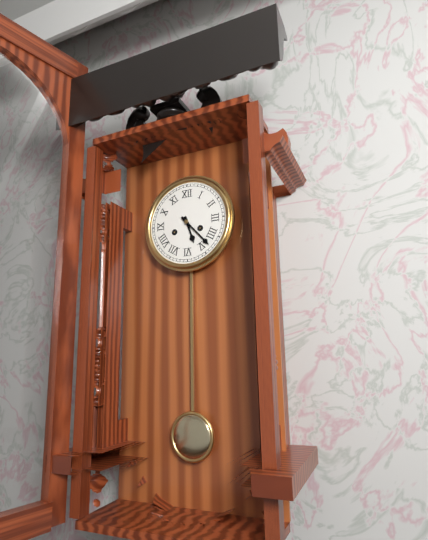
**5:23**
